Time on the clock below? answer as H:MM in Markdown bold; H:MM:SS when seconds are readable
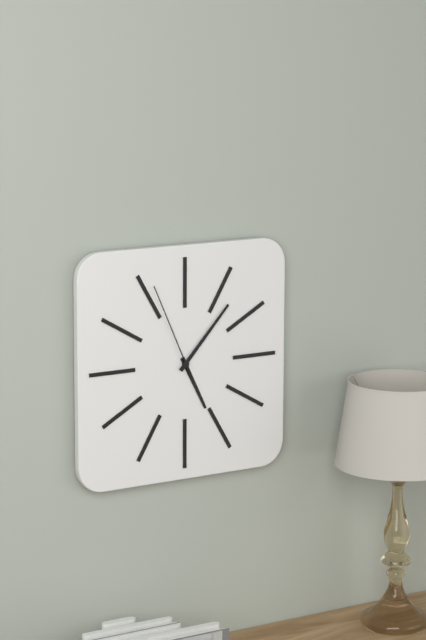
**5:07:56**
